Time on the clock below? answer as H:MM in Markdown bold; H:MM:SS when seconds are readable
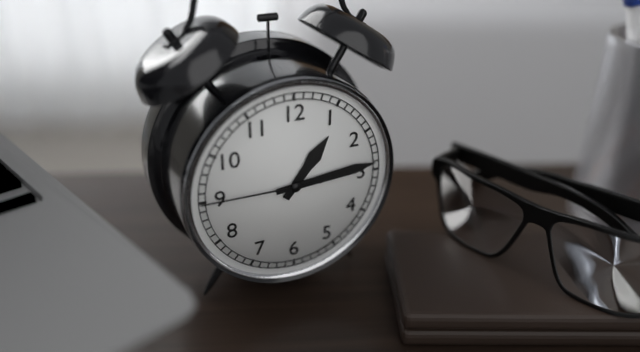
**1:14:45**
